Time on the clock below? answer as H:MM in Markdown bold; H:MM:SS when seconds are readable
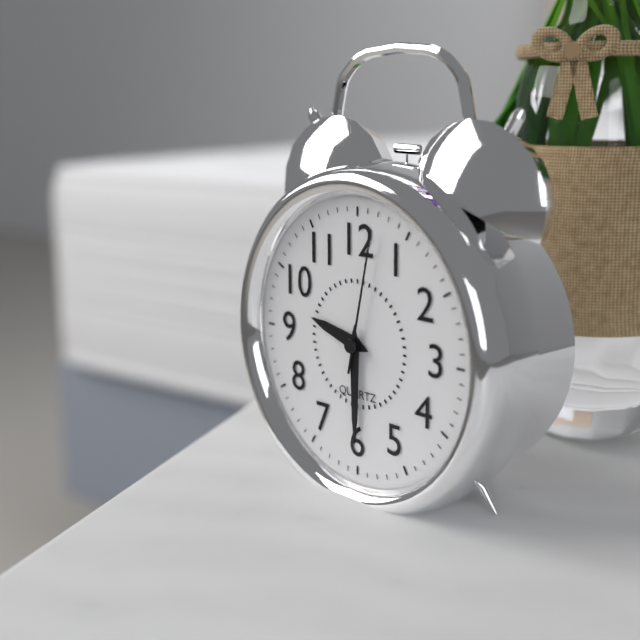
**9:30:02**
